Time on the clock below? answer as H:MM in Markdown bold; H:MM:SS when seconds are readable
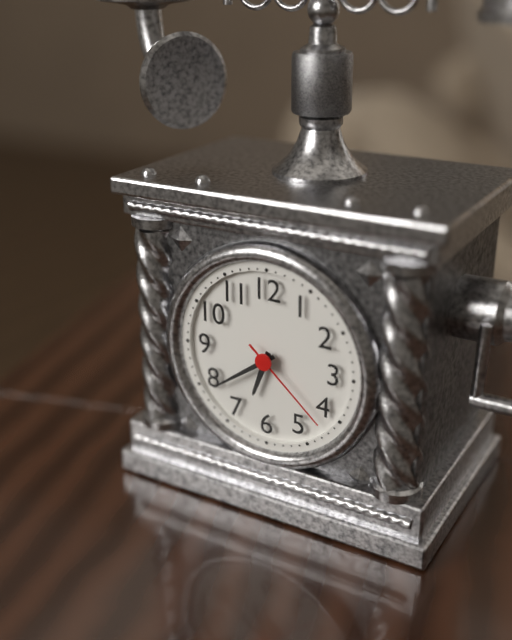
**6:39:22**
